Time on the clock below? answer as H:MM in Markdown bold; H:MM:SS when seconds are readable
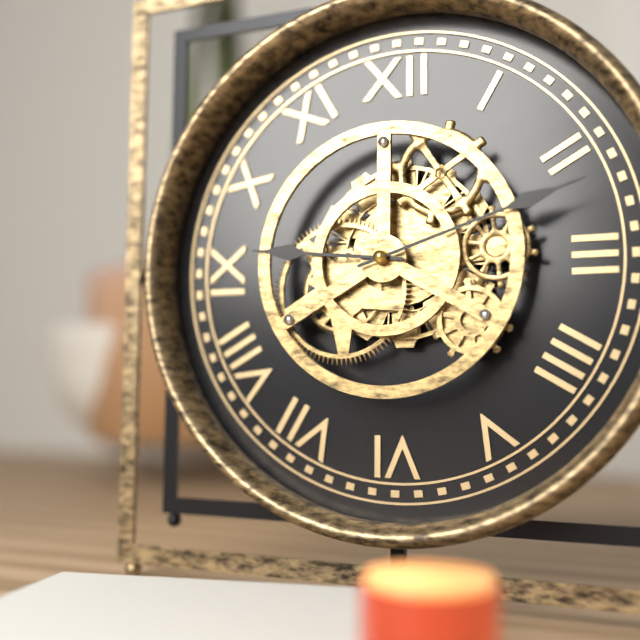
**9:12**
